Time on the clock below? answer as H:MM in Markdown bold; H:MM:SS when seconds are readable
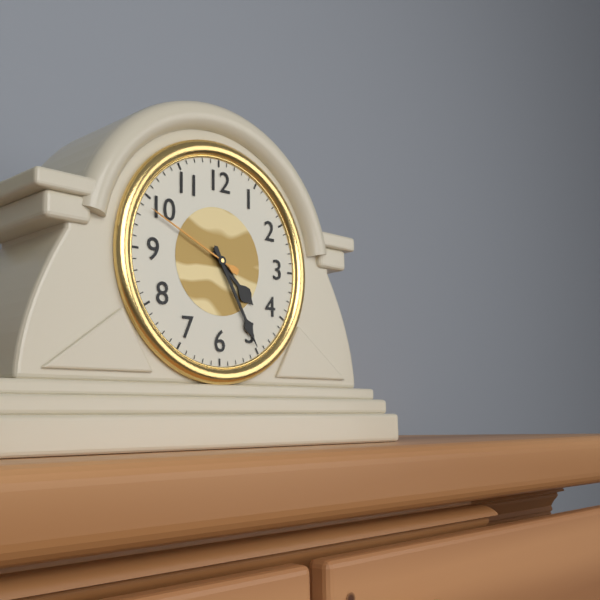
**4:25:49**
